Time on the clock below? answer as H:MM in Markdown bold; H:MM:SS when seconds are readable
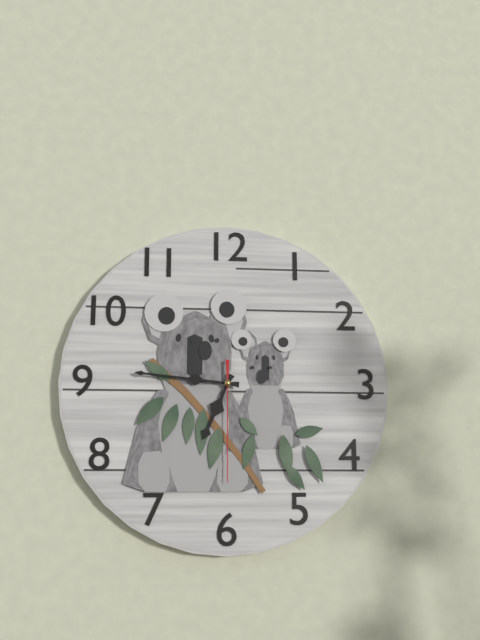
**6:46:30**
